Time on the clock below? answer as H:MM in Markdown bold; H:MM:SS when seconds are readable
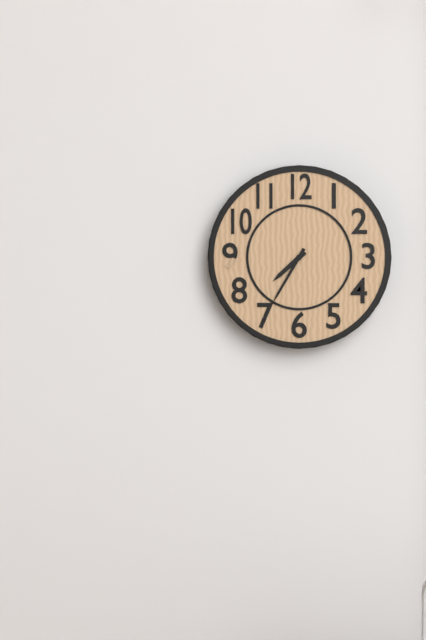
**7:35**
